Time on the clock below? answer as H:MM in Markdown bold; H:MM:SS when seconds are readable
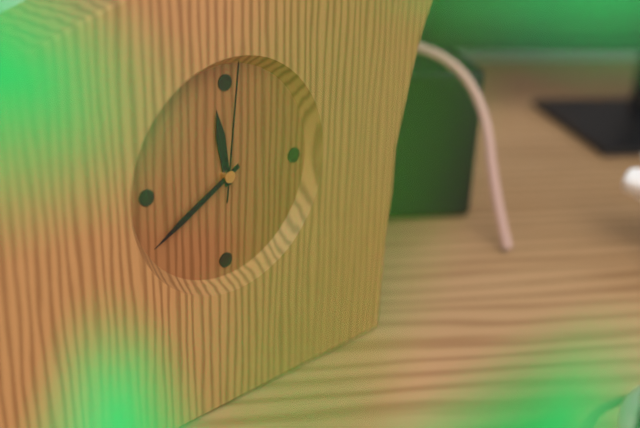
**11:40:01**
